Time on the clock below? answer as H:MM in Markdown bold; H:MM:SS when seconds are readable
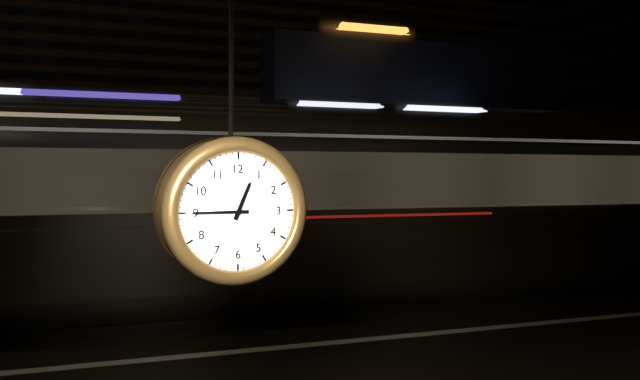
**12:45**
